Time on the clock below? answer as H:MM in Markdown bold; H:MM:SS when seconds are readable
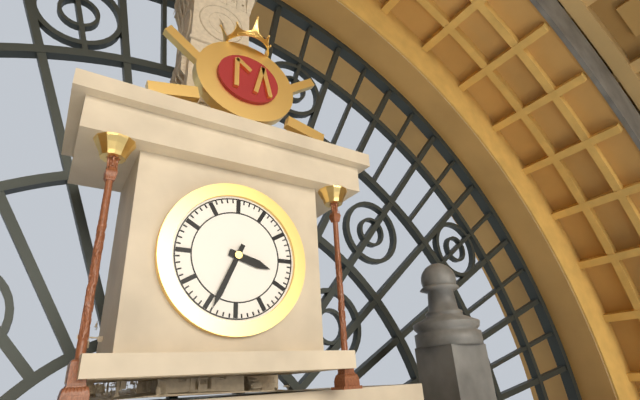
**3:34**
